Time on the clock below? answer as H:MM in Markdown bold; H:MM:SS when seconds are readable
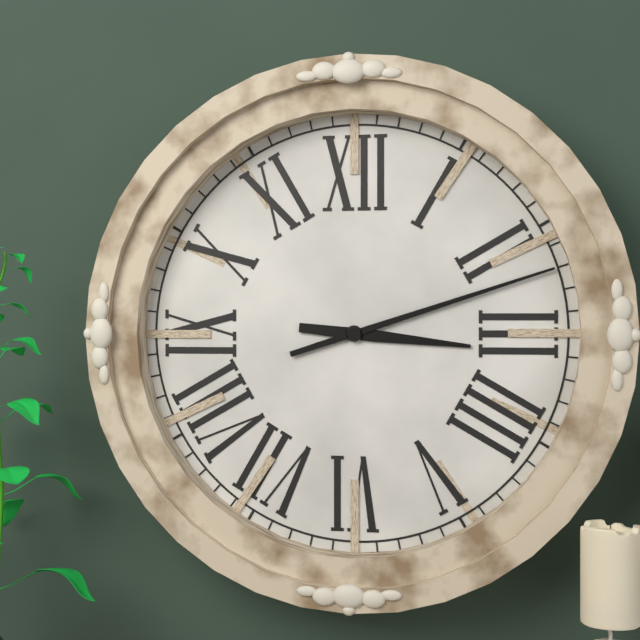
**3:12**
